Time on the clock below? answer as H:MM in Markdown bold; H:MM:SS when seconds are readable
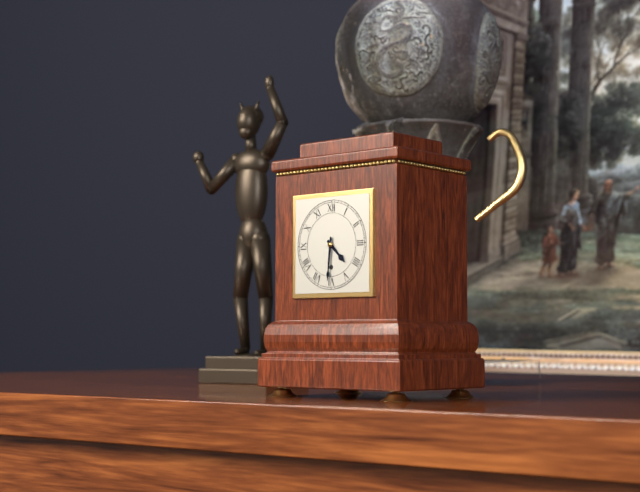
**4:31**
